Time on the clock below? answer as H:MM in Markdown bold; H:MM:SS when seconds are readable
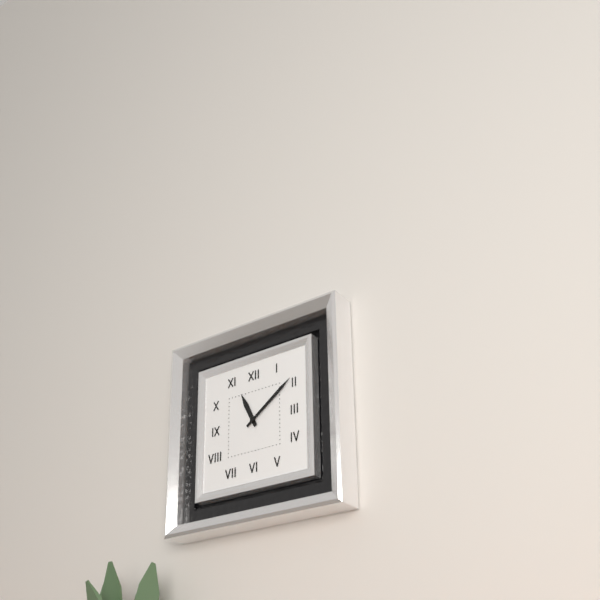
**11:09**
